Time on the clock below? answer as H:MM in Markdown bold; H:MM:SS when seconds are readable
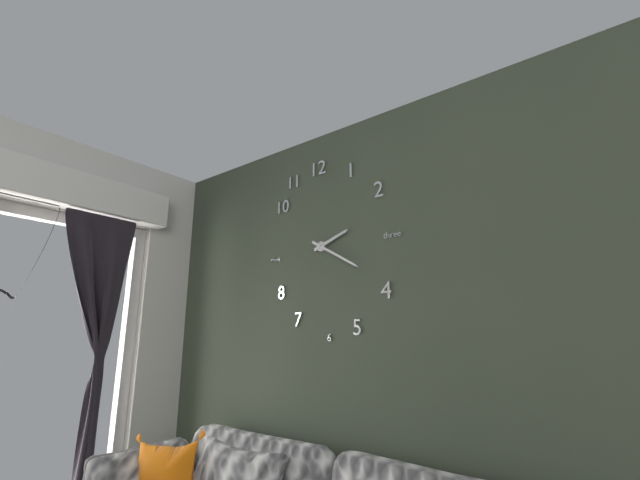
**2:20**
